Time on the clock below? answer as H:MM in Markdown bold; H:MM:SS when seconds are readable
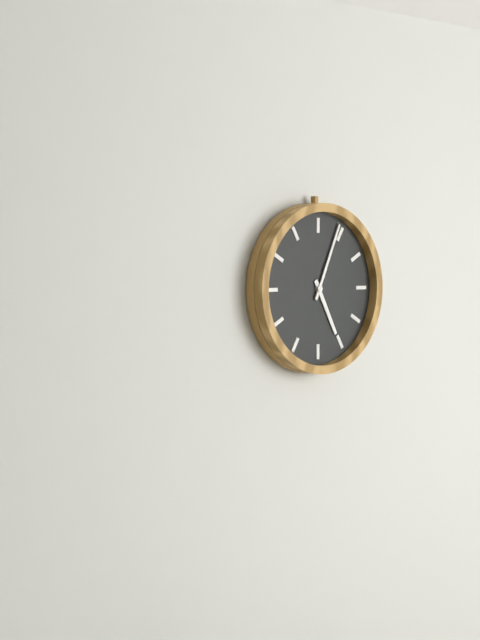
**5:04**
